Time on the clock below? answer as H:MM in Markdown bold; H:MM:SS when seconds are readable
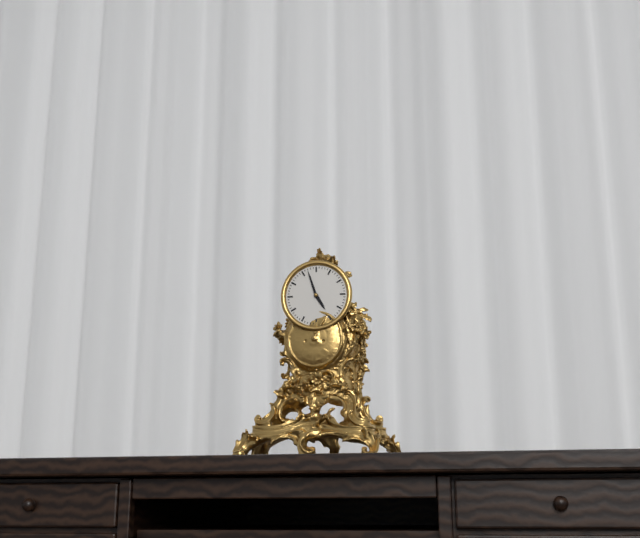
**4:57**
